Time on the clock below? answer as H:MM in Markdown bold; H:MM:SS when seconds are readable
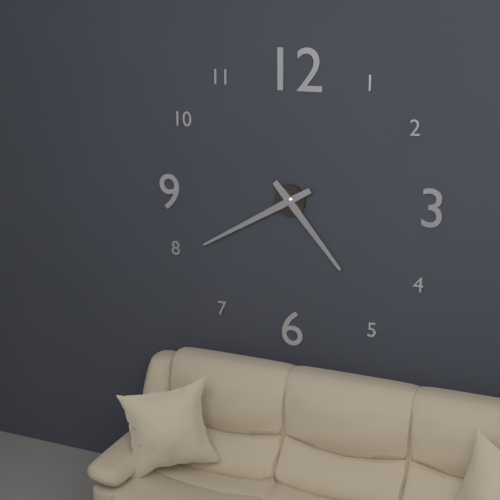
**4:40**
